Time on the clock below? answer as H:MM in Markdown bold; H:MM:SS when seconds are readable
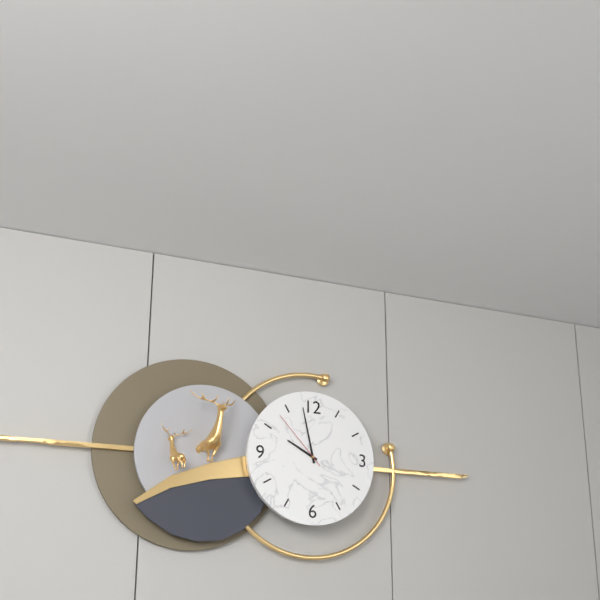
**9:58:53**
